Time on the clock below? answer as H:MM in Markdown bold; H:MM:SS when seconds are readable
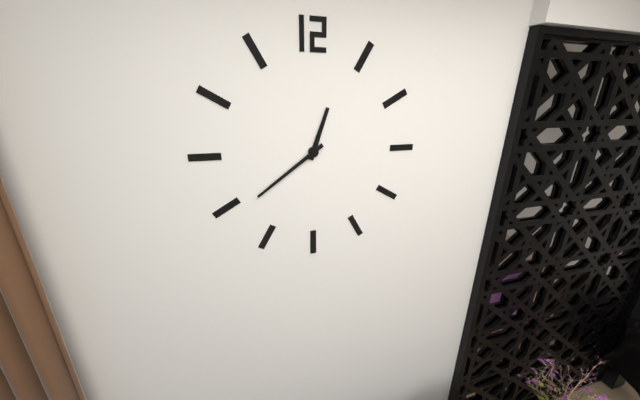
**12:39**
